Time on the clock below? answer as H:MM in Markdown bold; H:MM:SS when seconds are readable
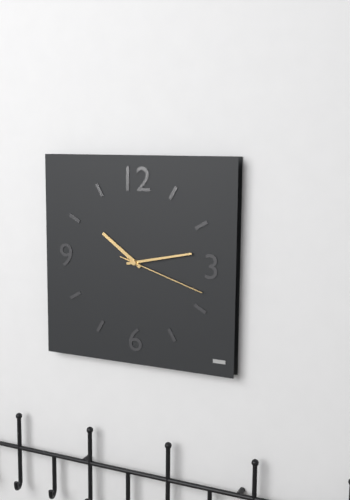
**10:13:18**
